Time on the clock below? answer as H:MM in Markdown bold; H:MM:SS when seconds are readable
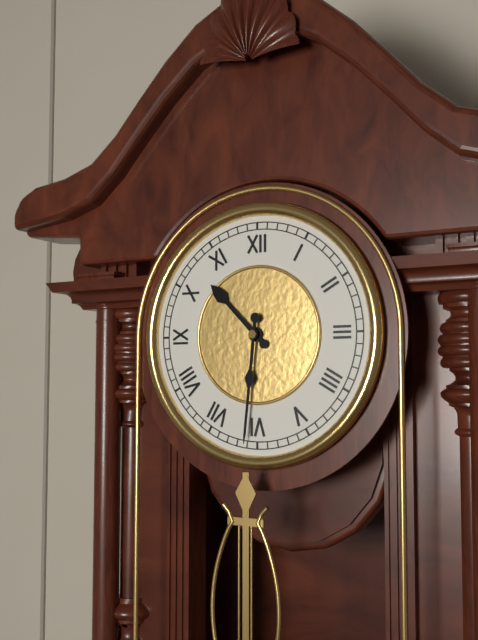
**10:31**
